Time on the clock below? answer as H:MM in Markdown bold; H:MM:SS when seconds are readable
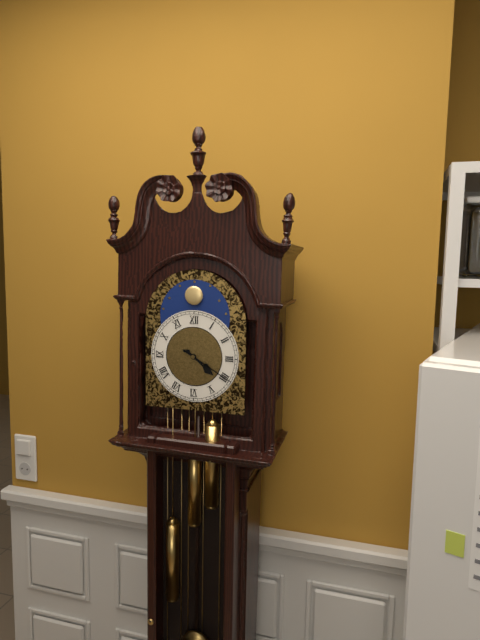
**4:20**
